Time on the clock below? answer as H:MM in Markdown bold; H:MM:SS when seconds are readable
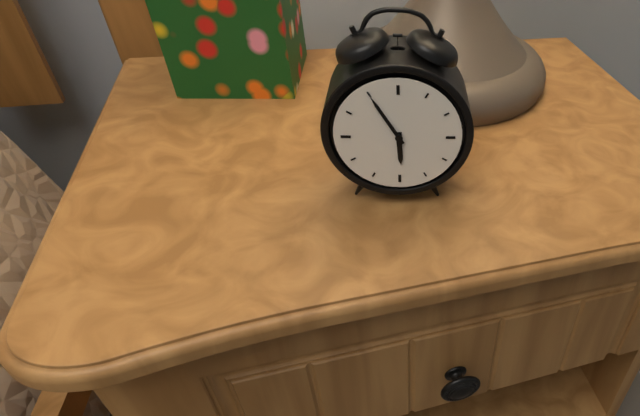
**5:55**
